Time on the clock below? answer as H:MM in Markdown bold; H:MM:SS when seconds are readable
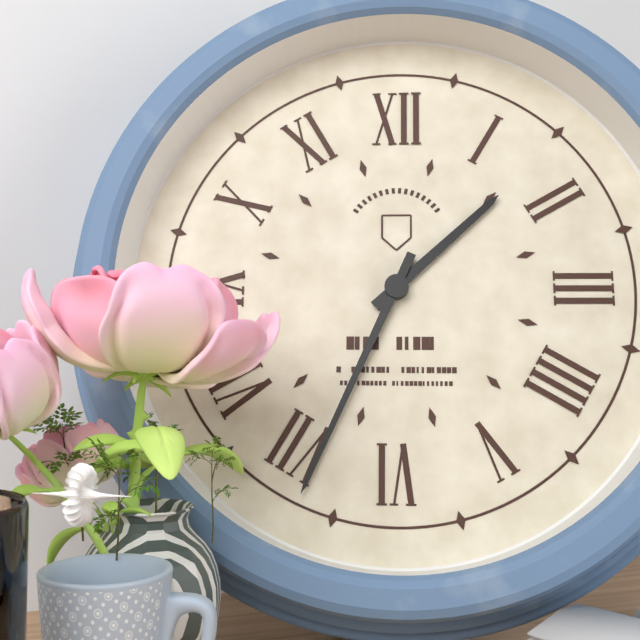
**1:34**
